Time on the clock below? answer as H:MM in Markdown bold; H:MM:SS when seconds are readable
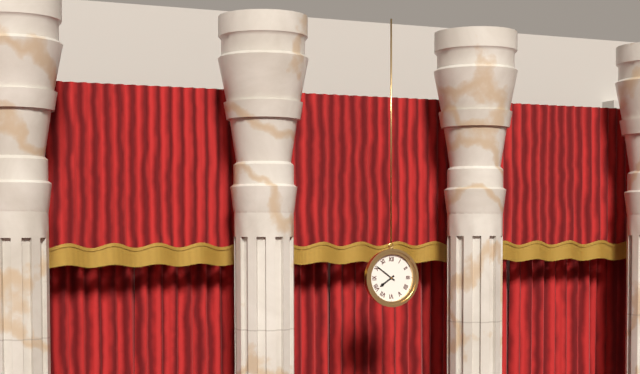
**7:51**
